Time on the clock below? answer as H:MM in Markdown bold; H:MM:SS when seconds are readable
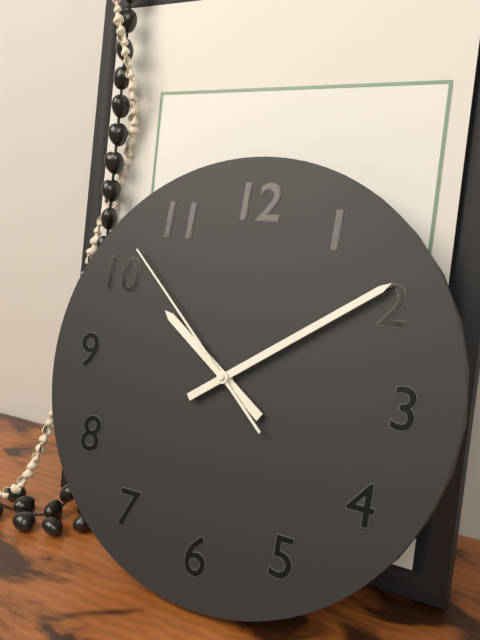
**10:09:52**
